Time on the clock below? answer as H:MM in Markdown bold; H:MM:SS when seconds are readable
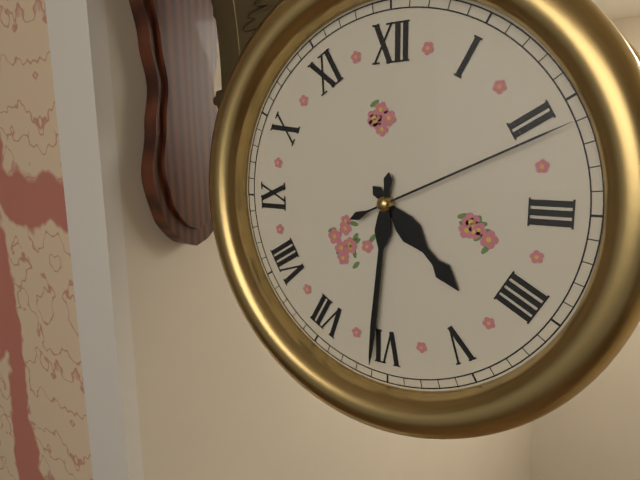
**4:31:11**
